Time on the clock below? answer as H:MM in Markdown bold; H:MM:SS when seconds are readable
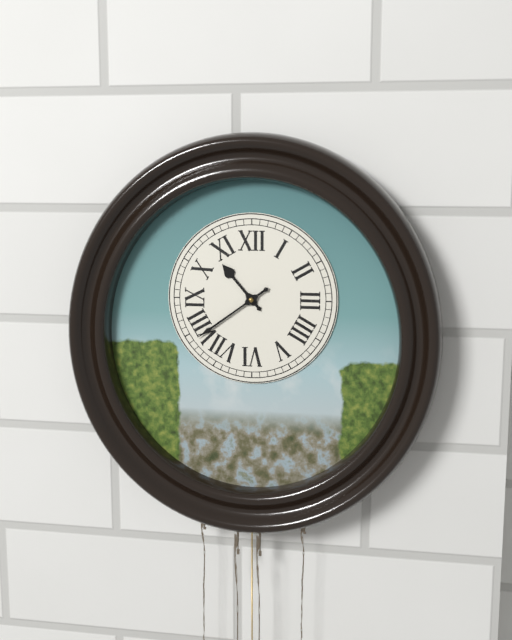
**10:39**
